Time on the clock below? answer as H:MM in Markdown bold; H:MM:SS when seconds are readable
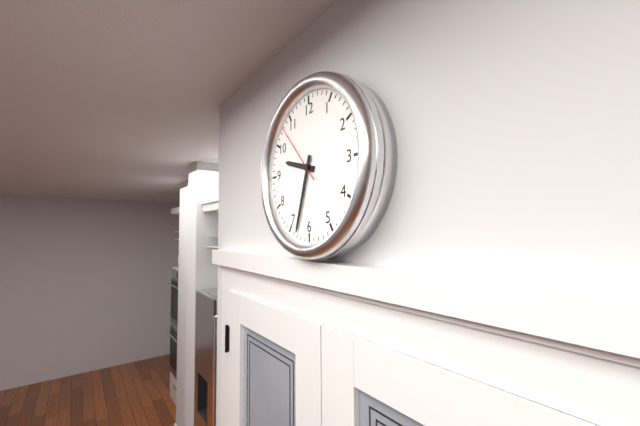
**9:33:53**
